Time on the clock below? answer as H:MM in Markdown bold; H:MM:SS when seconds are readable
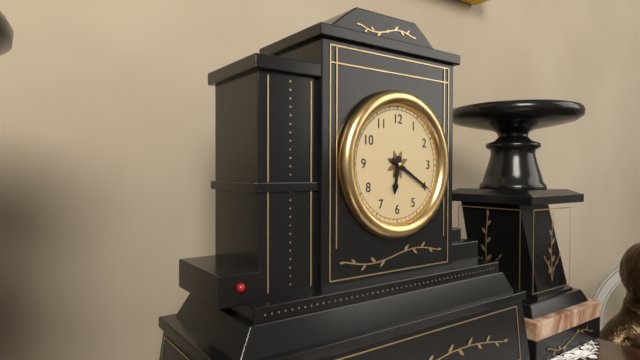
**6:20**
